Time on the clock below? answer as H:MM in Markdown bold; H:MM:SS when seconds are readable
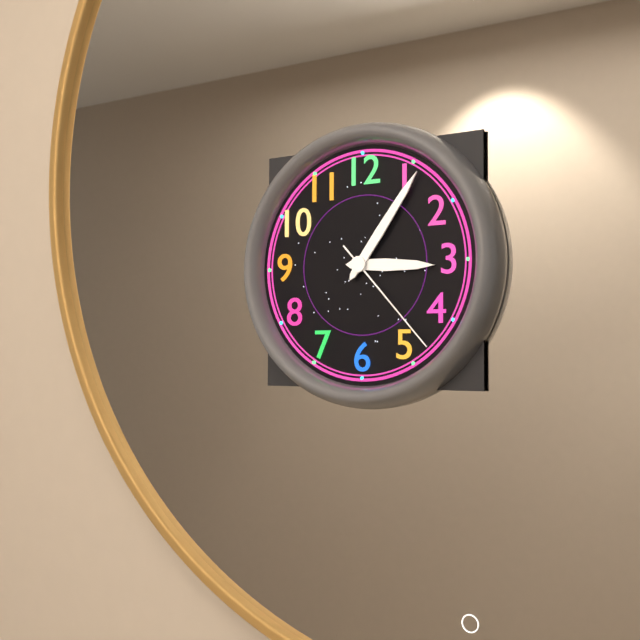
**3:06:23**
